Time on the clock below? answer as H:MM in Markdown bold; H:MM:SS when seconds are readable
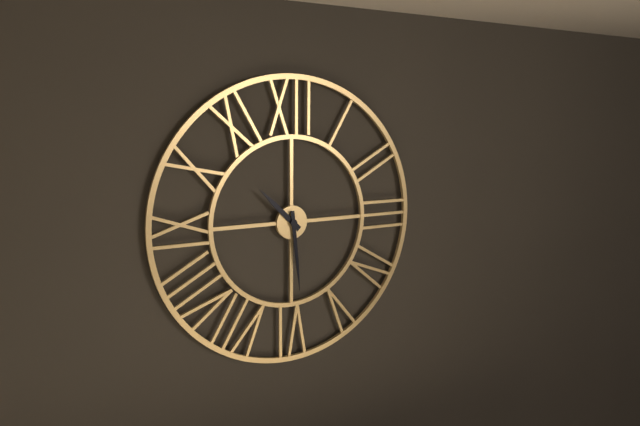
**10:29**
